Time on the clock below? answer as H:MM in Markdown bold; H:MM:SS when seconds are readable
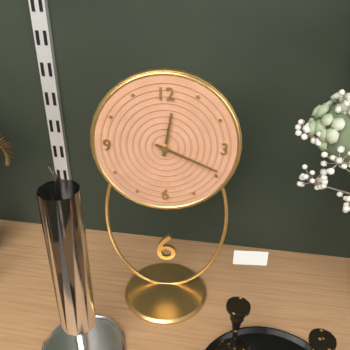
**12:19**
